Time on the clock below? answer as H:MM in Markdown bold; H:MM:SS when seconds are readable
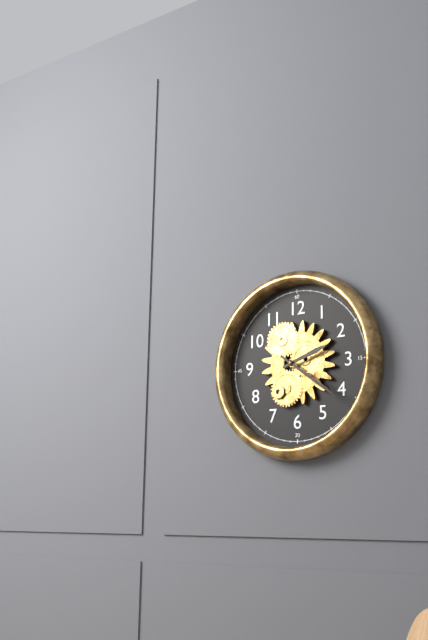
**2:21**
